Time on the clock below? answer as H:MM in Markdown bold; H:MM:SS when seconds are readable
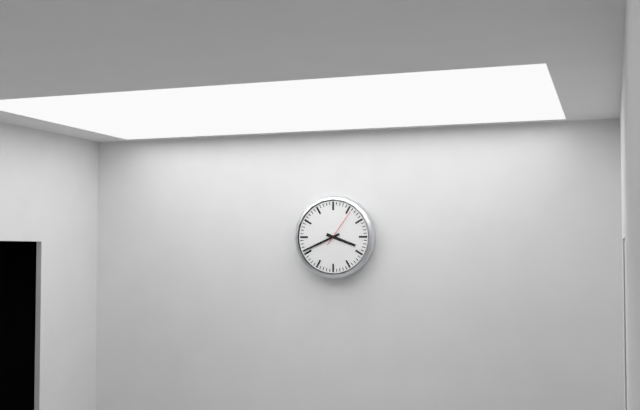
**3:41**
